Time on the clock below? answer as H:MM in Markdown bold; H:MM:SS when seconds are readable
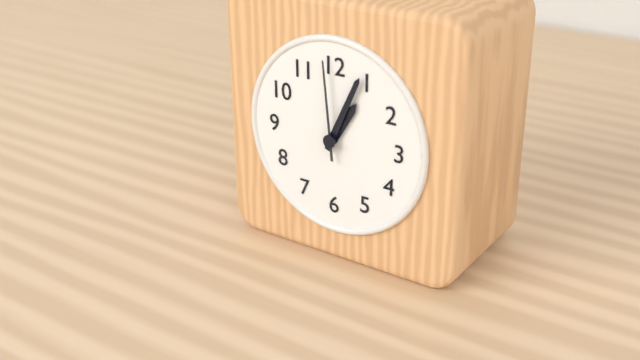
**1:04:59**
